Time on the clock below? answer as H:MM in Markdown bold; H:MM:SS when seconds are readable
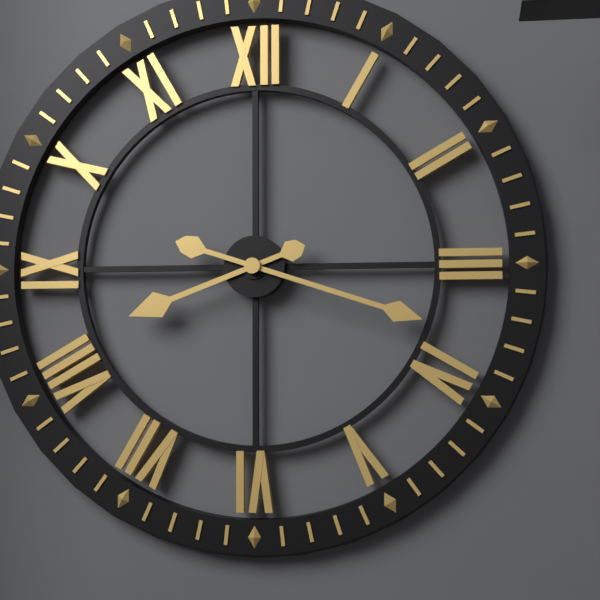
**8:18**
